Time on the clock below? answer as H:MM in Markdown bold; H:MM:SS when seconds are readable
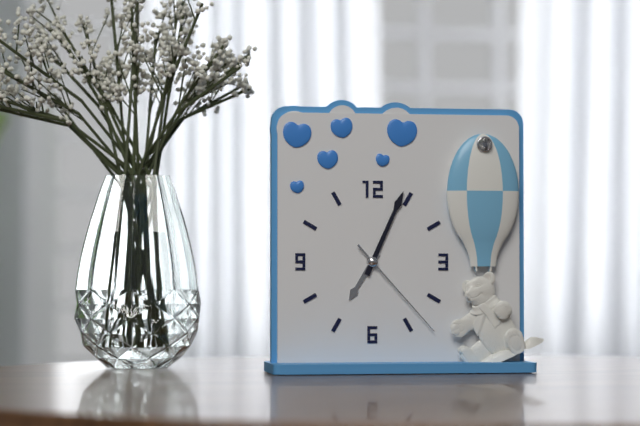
**7:04:23**
